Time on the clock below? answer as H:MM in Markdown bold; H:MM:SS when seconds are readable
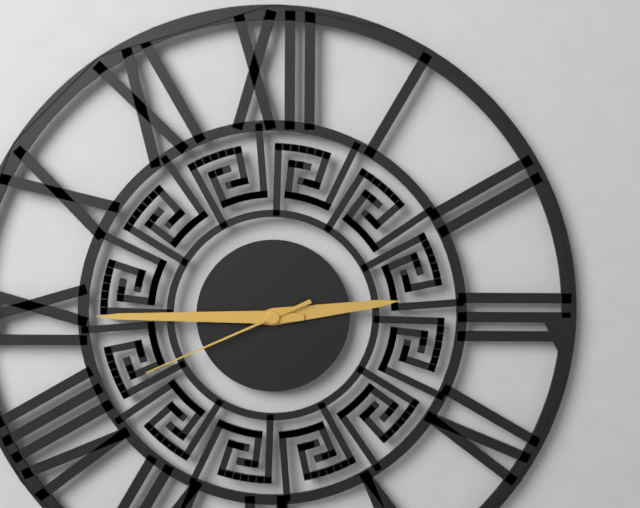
**2:45:41**
